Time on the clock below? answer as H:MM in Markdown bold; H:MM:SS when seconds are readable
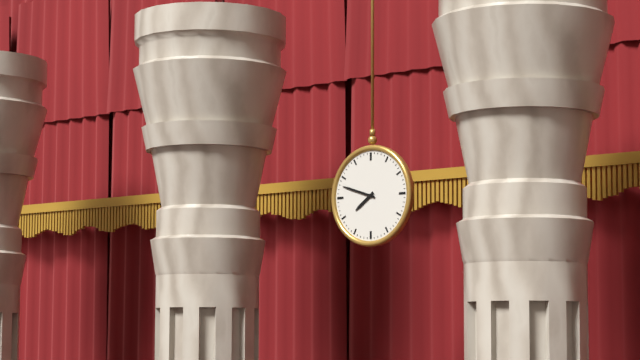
**7:48**
